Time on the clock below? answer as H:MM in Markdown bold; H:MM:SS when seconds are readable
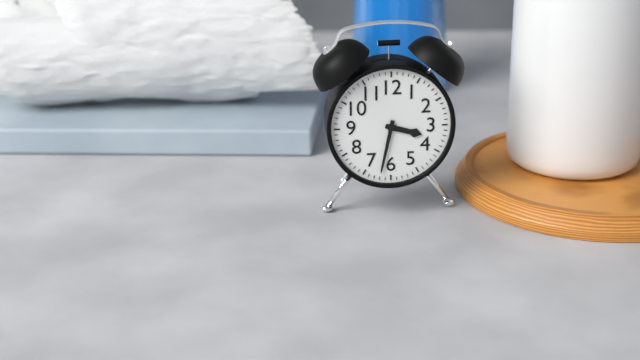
**3:32**
